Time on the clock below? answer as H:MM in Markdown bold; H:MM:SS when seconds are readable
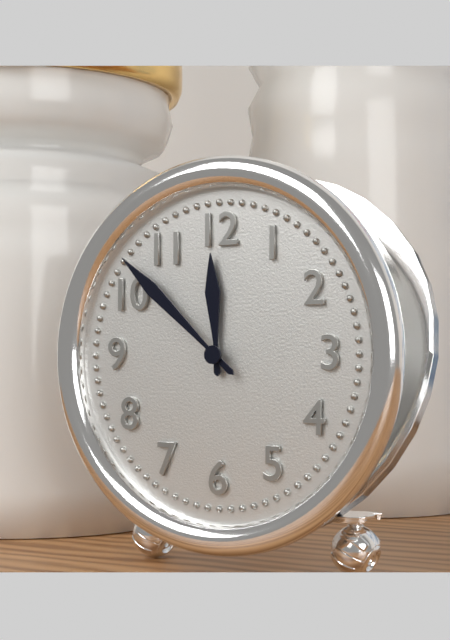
**11:52**
